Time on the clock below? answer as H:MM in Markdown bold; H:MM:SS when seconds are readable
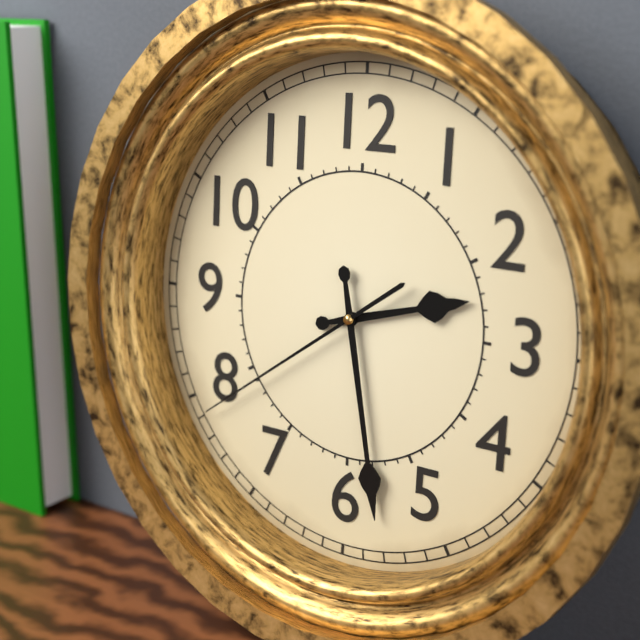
**2:28:39**
